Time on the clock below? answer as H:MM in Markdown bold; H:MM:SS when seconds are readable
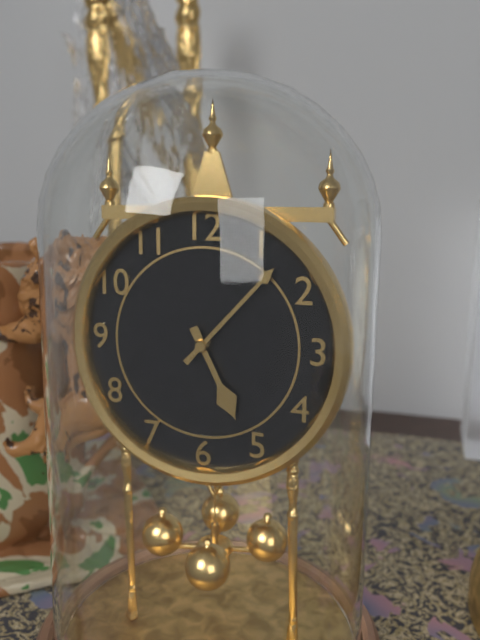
**5:07**
